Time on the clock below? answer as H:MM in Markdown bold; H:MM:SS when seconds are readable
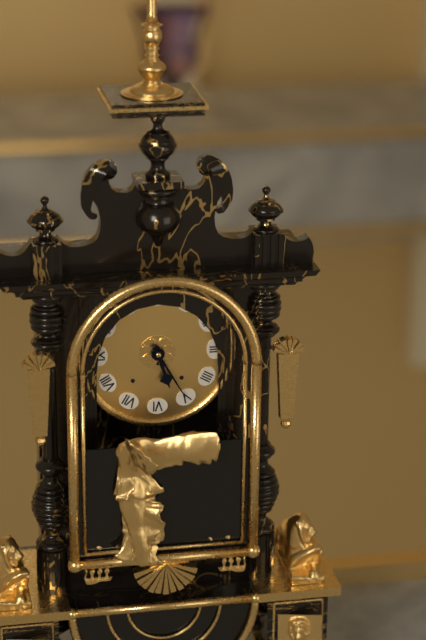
**5:25**
